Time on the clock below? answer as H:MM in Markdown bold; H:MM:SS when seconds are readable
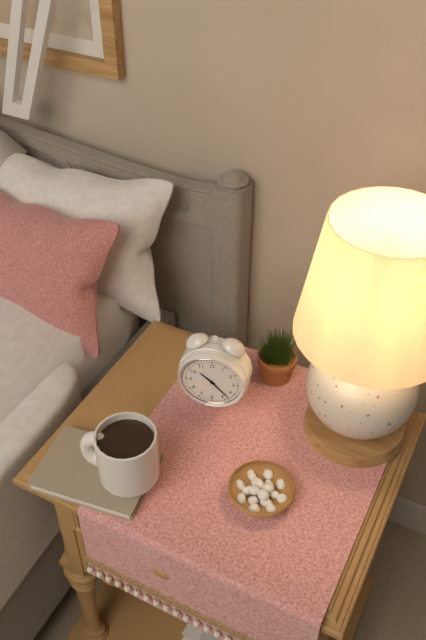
**10:23**
